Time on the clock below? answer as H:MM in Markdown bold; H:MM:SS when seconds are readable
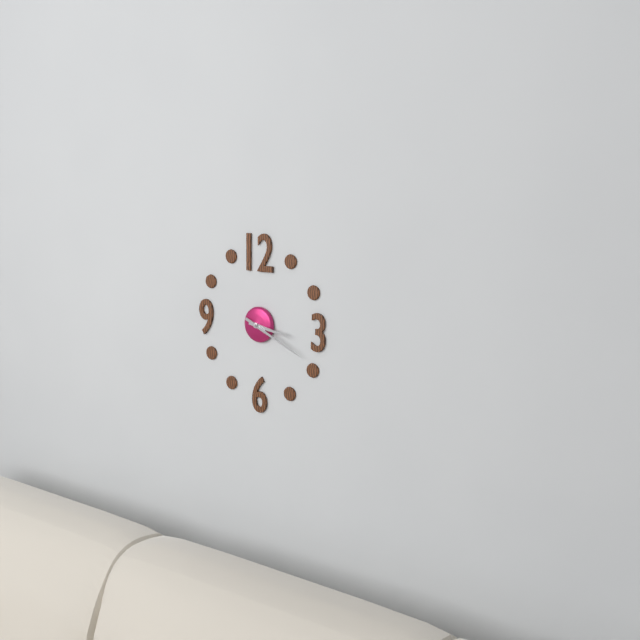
**3:19**
